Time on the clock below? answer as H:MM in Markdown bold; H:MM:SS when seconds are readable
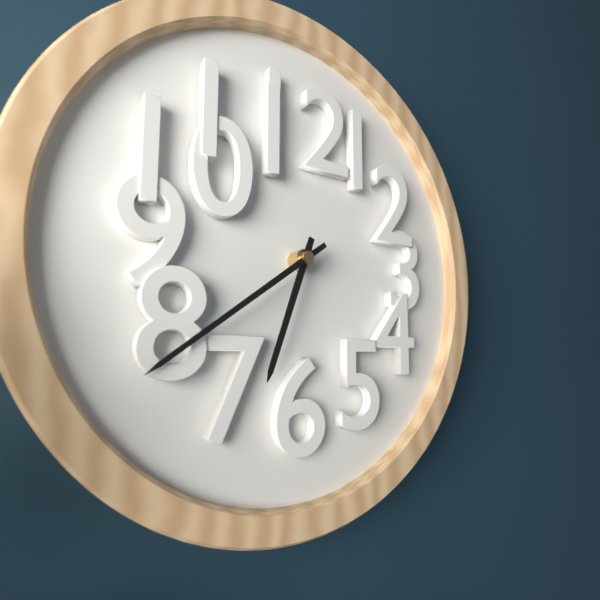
**6:39**
